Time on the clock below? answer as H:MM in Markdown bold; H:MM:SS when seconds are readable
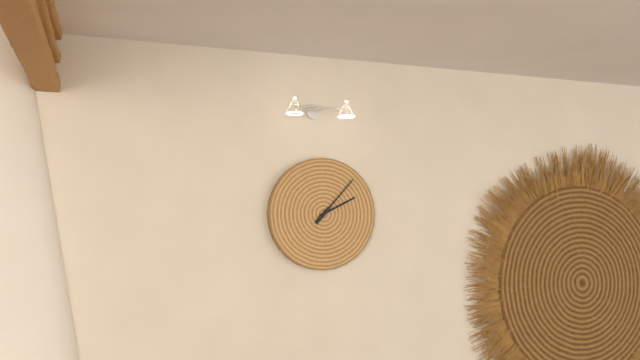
**2:07**
